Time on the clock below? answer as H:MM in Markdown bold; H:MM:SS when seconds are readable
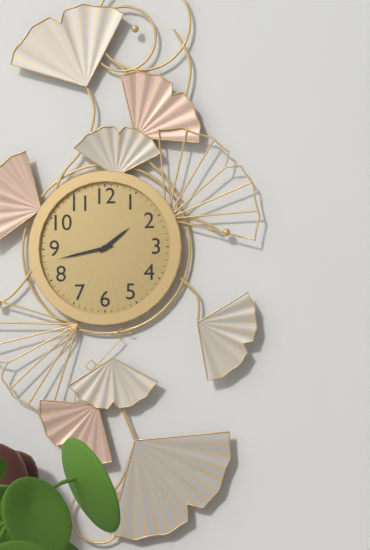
**1:43**
